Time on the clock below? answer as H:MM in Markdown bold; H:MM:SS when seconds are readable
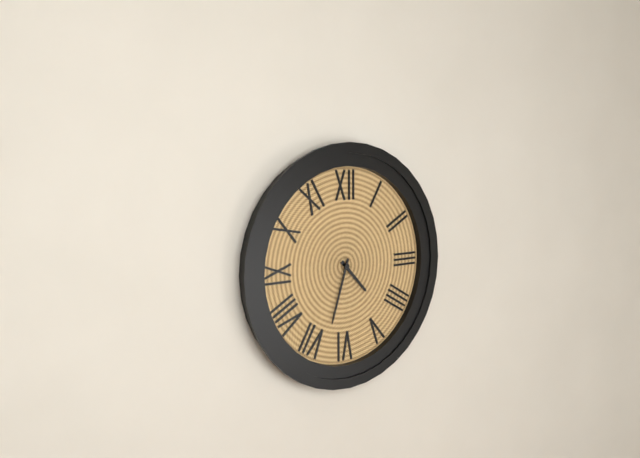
**4:33**
